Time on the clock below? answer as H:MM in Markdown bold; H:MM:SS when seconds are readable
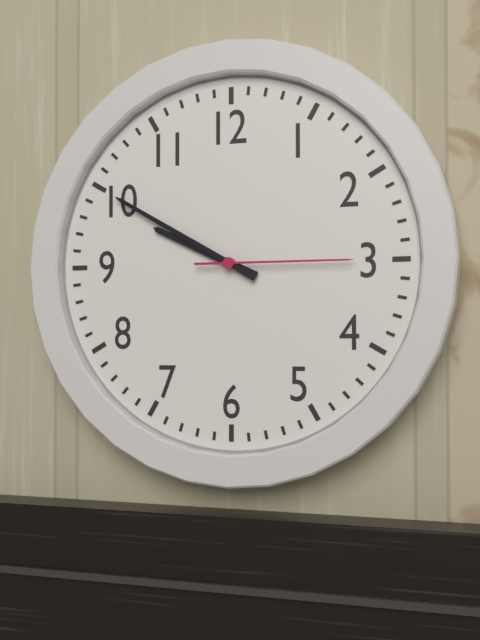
**9:50:15**
